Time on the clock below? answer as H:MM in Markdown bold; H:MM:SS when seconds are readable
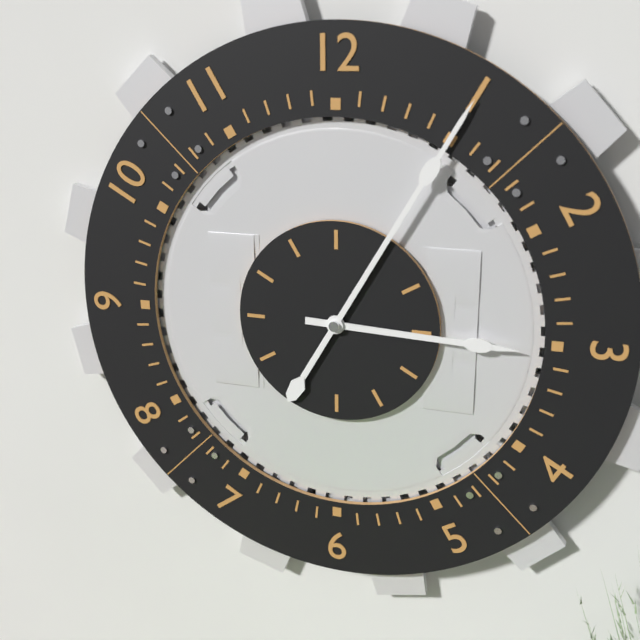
**3:05**
